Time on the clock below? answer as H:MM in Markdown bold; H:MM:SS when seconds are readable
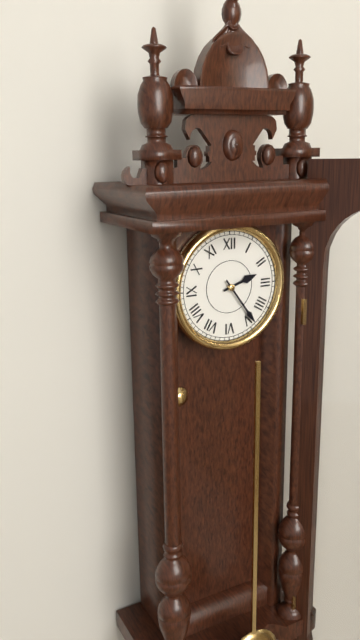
**2:24**
